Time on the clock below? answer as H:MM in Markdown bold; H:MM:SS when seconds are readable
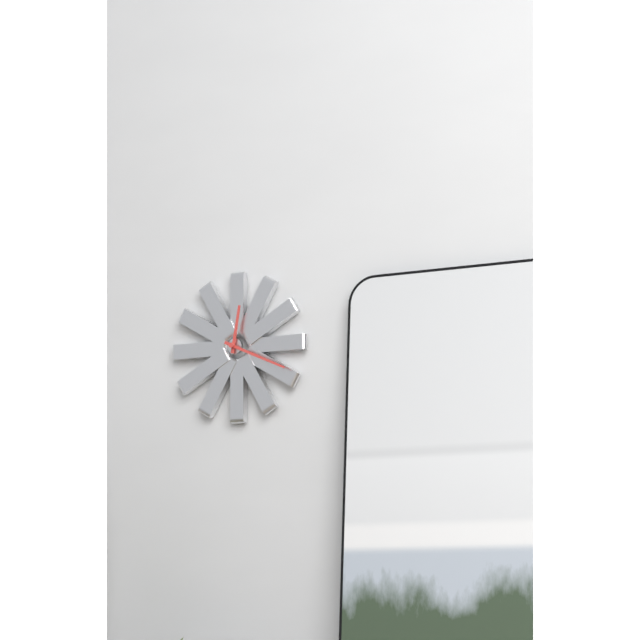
**12:19**
